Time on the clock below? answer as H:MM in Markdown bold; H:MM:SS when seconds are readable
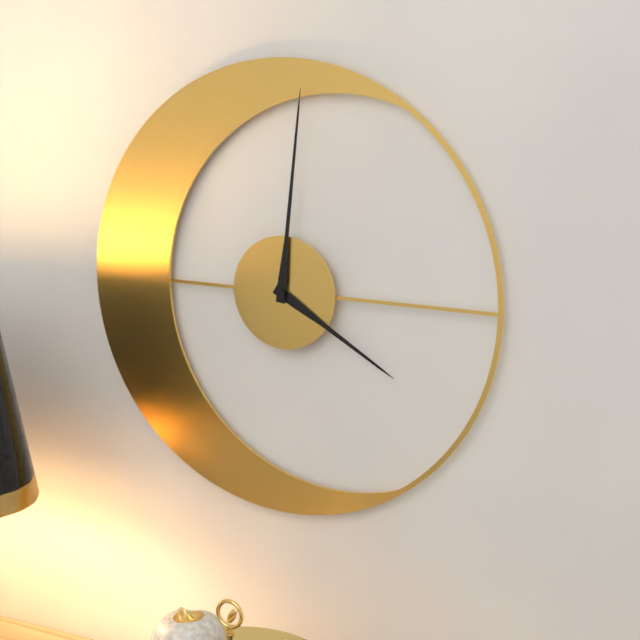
**4:01**
